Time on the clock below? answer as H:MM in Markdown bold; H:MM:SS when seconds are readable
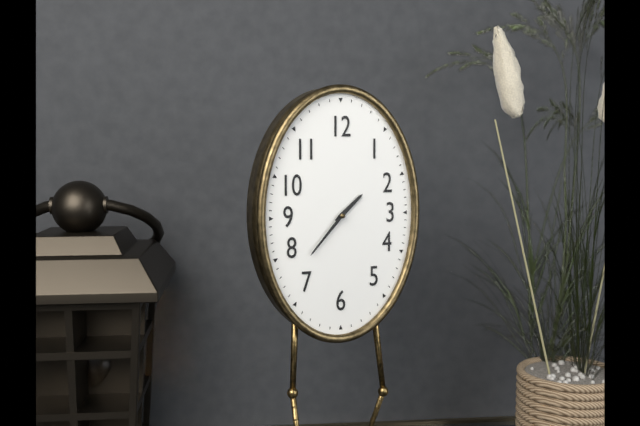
**1:37**
